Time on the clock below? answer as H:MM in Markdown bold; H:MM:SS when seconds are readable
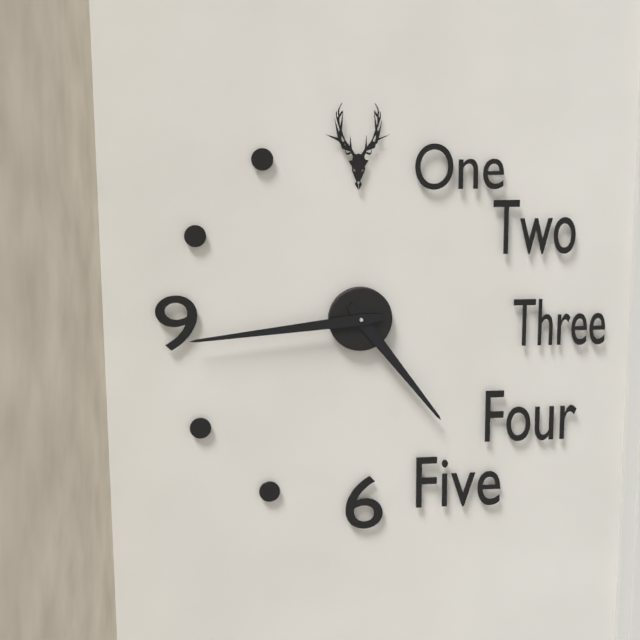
**4:44**
